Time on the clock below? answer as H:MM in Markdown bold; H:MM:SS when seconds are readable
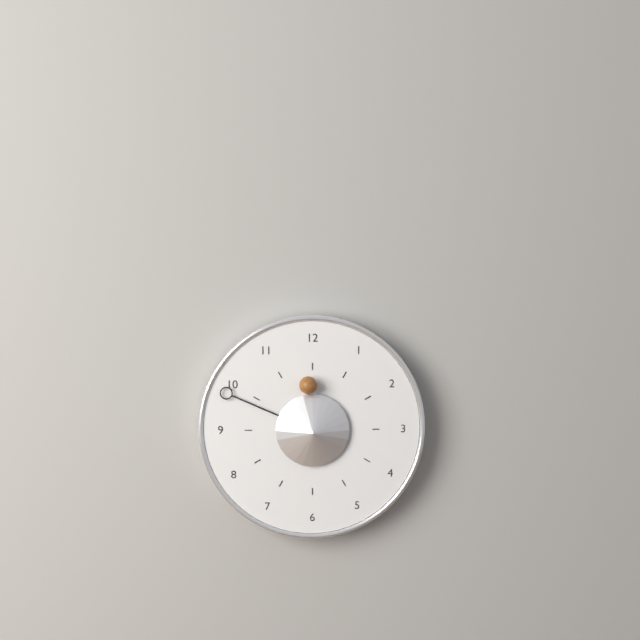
**11:49**
